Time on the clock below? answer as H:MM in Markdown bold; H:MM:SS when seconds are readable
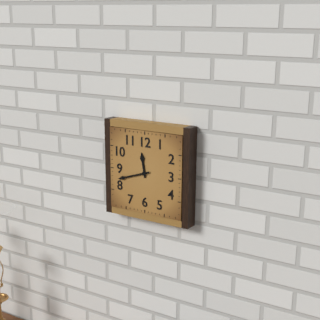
**11:42**
